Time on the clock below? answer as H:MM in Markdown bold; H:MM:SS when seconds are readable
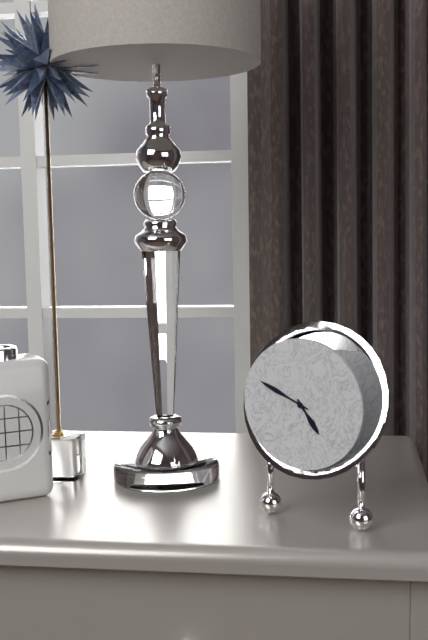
**4:49**
